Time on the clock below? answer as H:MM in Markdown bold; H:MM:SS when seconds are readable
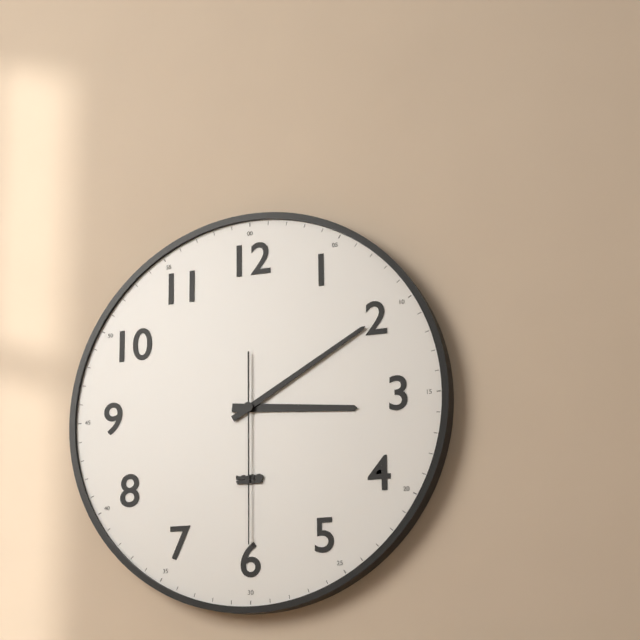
**3:10:30**
